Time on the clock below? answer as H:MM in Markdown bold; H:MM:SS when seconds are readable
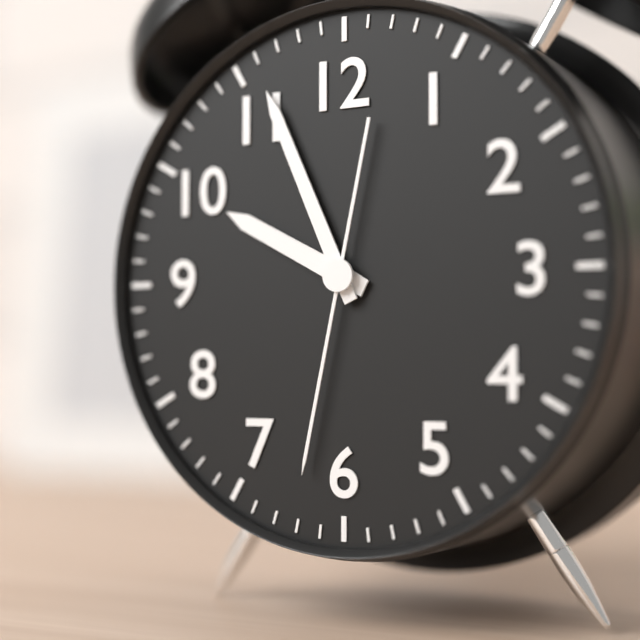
**9:56:32**
